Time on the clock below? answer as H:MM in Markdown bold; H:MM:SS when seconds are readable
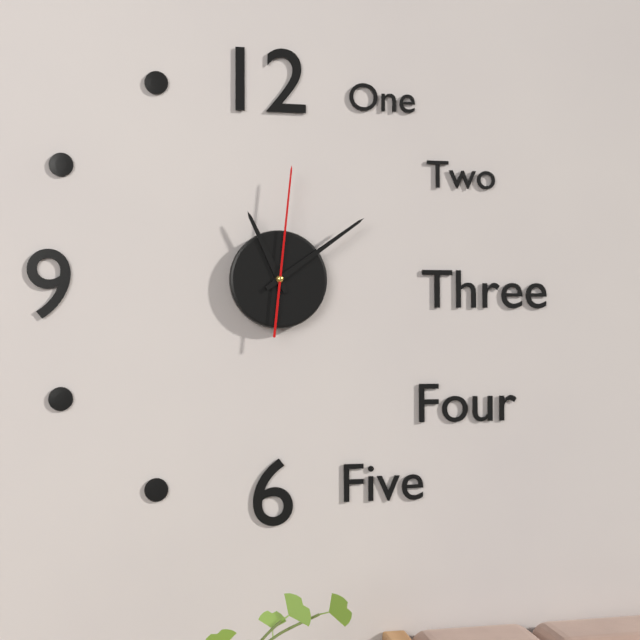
**11:09:01**
